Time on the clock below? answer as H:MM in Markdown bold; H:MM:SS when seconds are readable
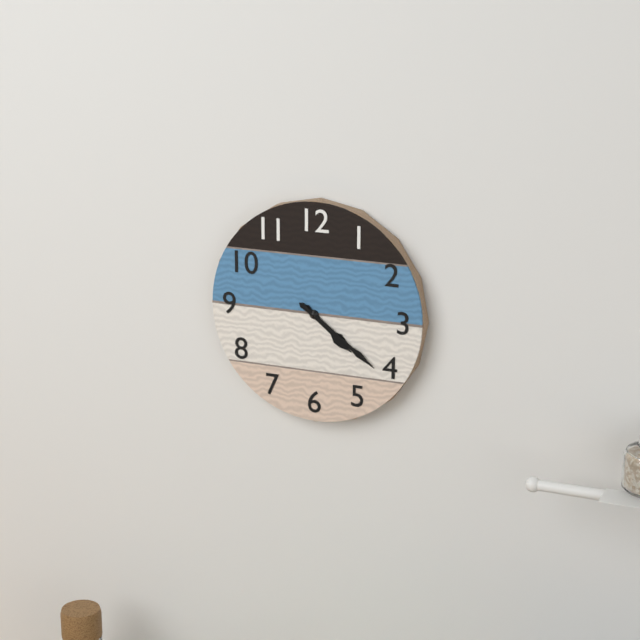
**4:21**
